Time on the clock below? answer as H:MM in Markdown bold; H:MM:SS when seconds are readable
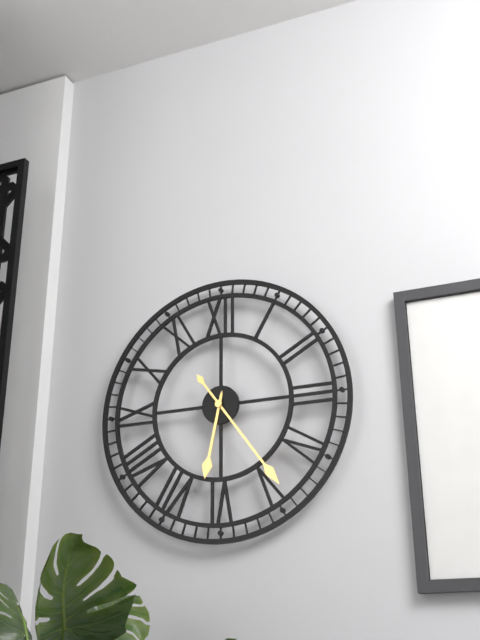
**6:24**
